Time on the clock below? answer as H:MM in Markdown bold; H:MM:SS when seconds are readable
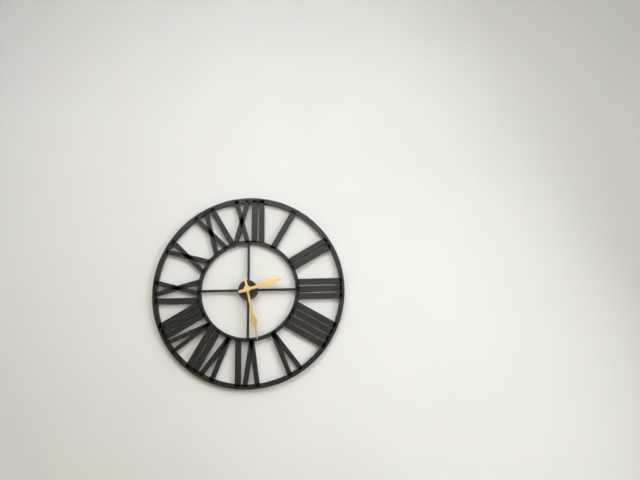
**2:28**
